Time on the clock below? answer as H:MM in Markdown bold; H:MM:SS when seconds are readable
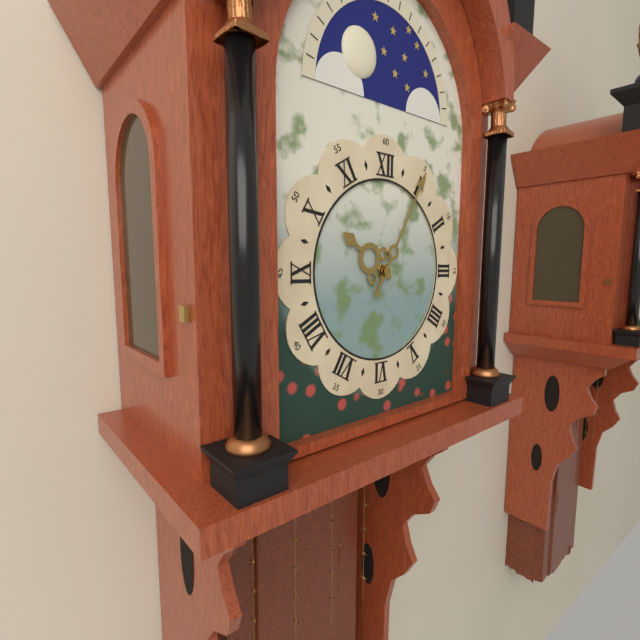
**10:05**
